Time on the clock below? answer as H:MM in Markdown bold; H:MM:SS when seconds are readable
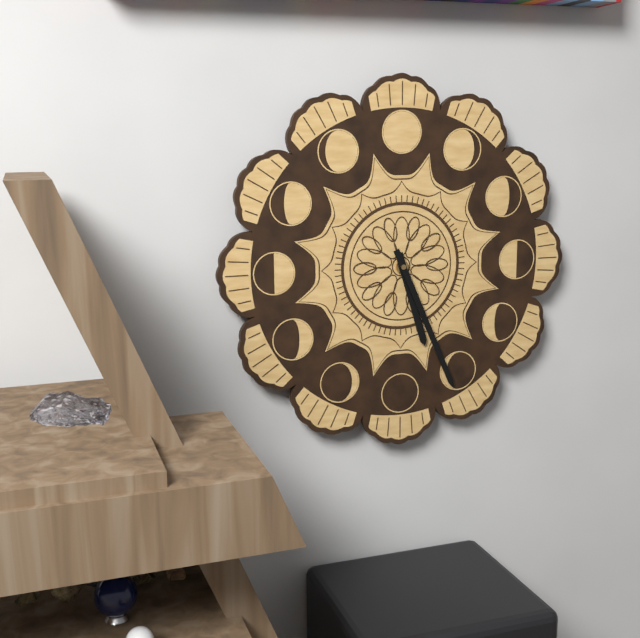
**5:26**
